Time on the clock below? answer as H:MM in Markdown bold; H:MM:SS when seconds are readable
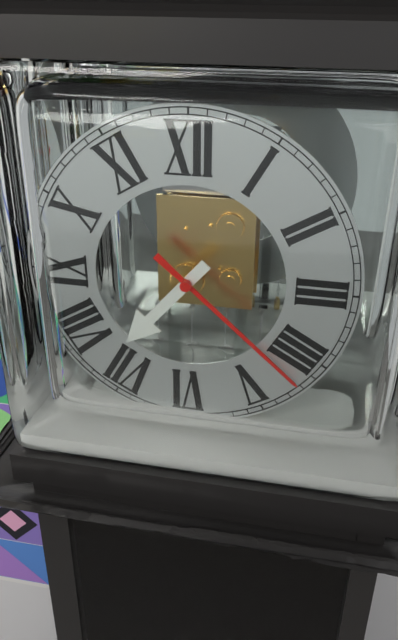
**7:22**
